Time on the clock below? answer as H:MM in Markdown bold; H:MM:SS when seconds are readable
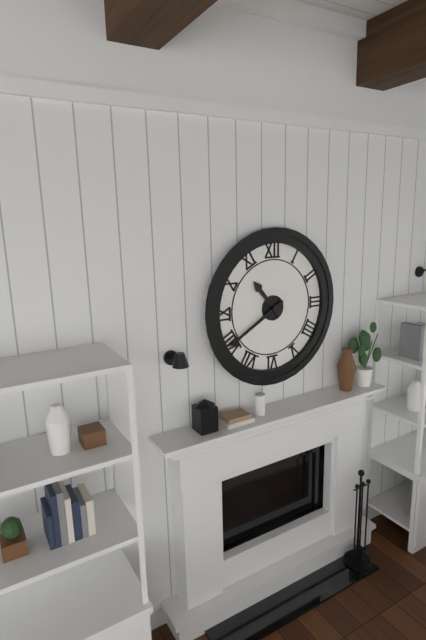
**10:40**
